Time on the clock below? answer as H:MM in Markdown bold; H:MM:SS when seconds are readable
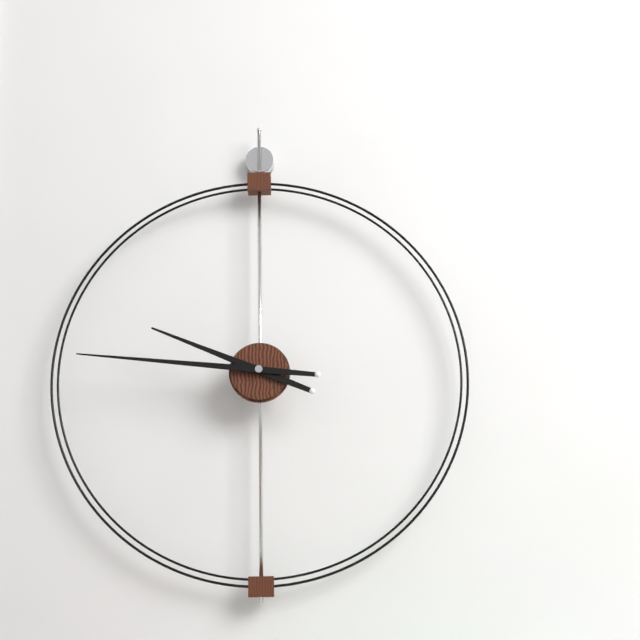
**9:46**
